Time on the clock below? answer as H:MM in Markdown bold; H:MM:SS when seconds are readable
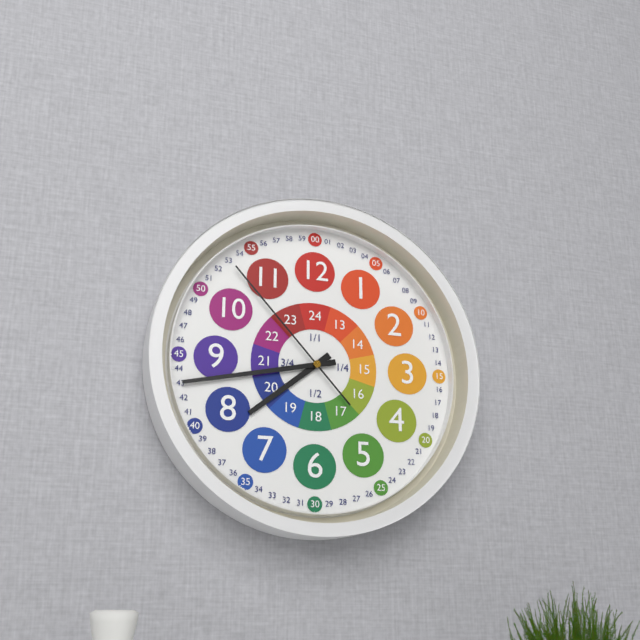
**7:43:53**
